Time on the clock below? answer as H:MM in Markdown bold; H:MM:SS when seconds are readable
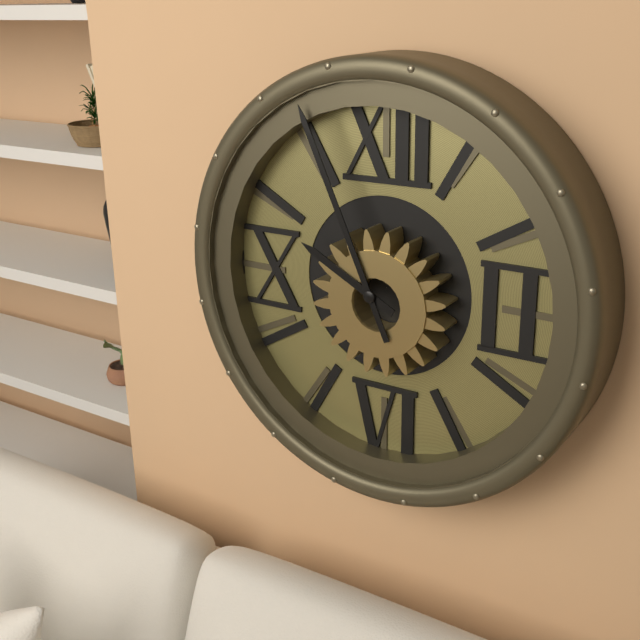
**9:56**
